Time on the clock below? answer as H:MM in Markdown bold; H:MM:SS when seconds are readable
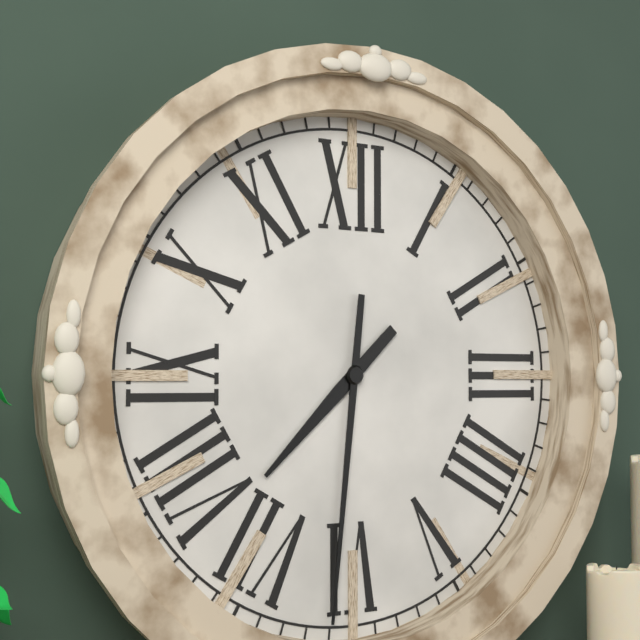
**7:31**
